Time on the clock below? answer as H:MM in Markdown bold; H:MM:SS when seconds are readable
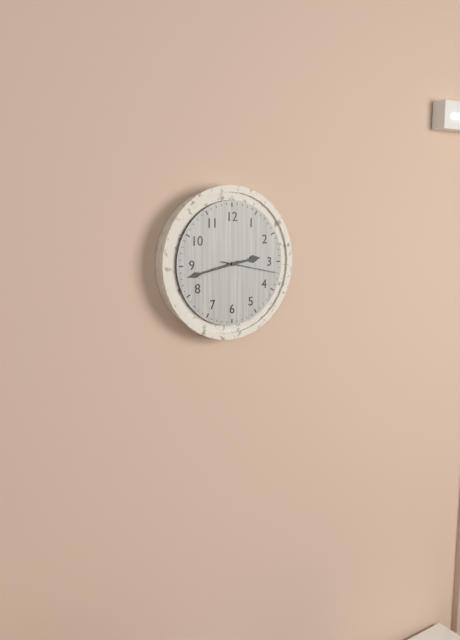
**2:43:17**
